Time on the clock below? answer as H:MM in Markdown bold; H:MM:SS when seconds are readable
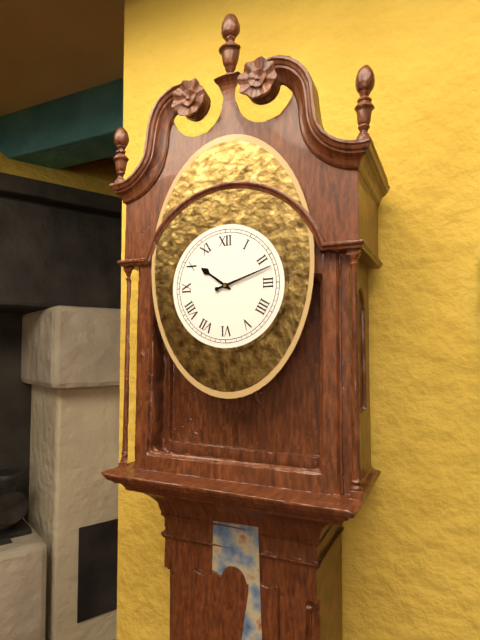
**10:12**
